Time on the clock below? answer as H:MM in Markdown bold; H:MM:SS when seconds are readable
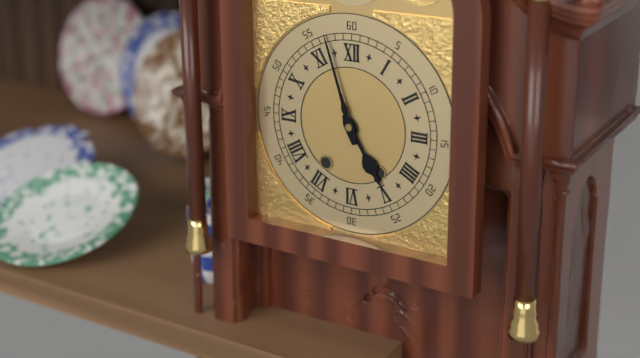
**4:57**
